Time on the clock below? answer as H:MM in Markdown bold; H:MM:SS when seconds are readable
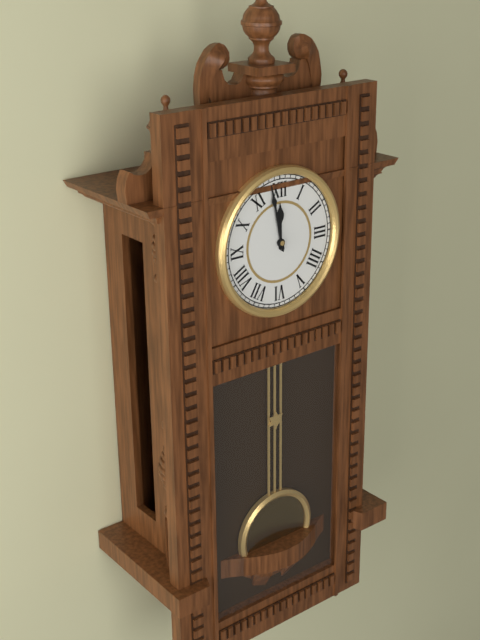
**11:58**
